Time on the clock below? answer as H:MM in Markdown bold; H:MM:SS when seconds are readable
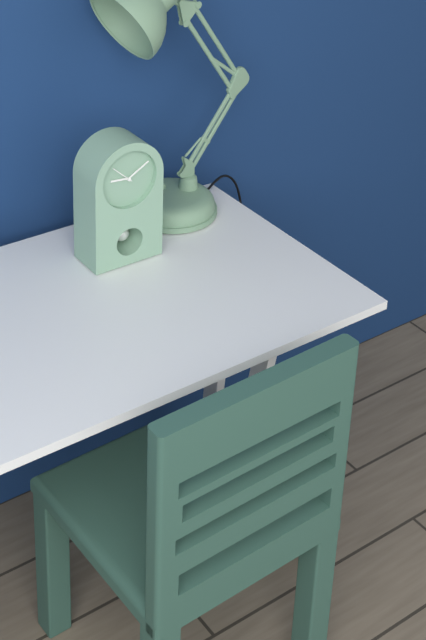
**9:10**
